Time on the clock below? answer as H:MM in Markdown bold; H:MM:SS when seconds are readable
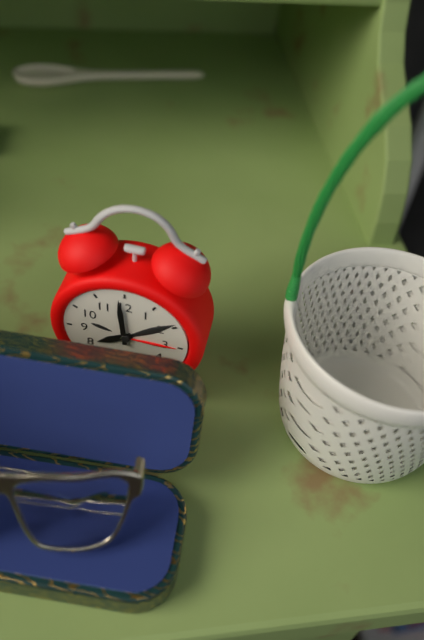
**7:59**
